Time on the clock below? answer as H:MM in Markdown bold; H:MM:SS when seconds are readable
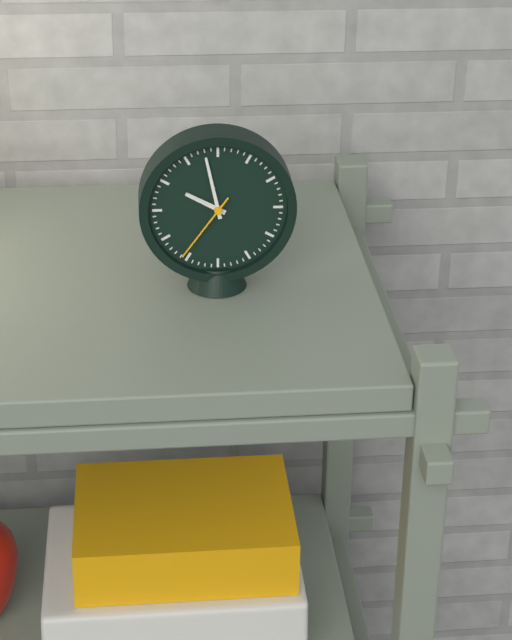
**9:58:36**
